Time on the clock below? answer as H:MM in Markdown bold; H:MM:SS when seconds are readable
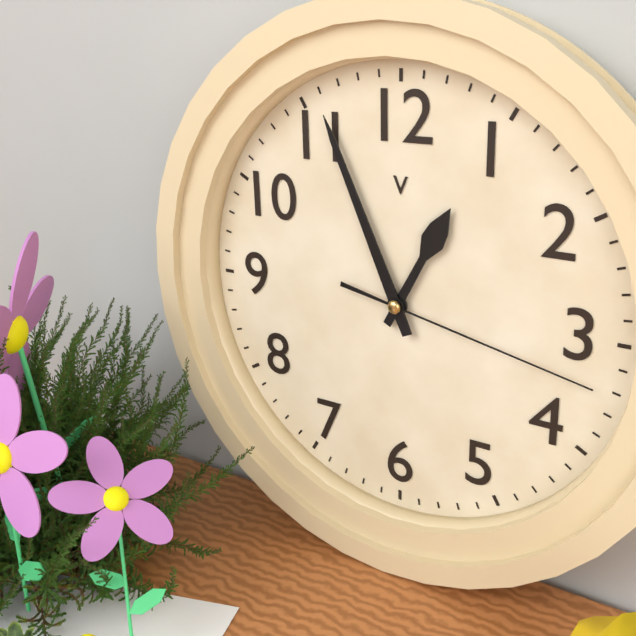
**12:56:17**
